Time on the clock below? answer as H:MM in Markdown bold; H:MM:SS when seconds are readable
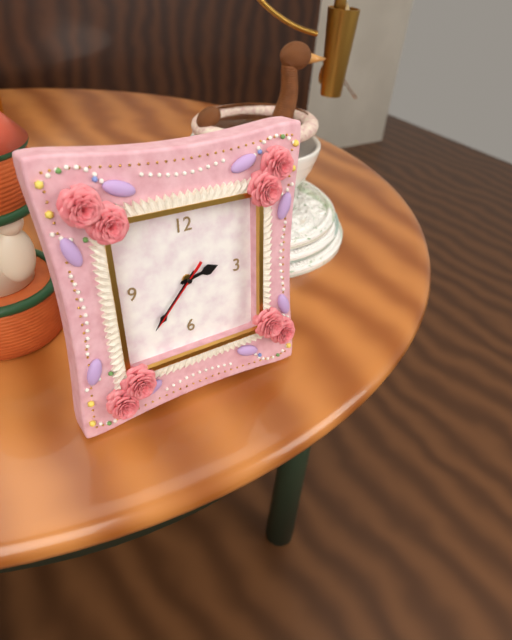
**2:37:37**
